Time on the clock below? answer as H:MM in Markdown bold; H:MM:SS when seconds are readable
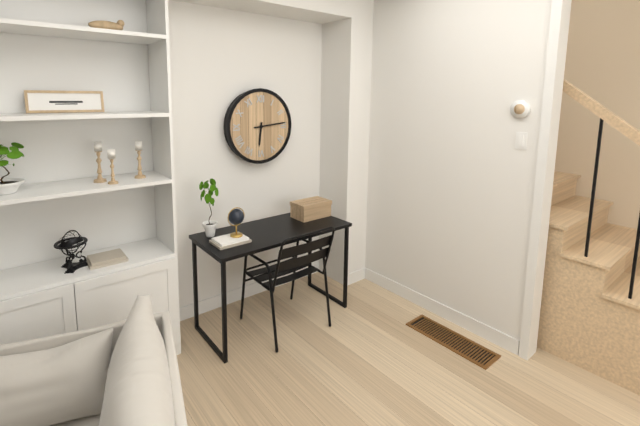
**6:14**
